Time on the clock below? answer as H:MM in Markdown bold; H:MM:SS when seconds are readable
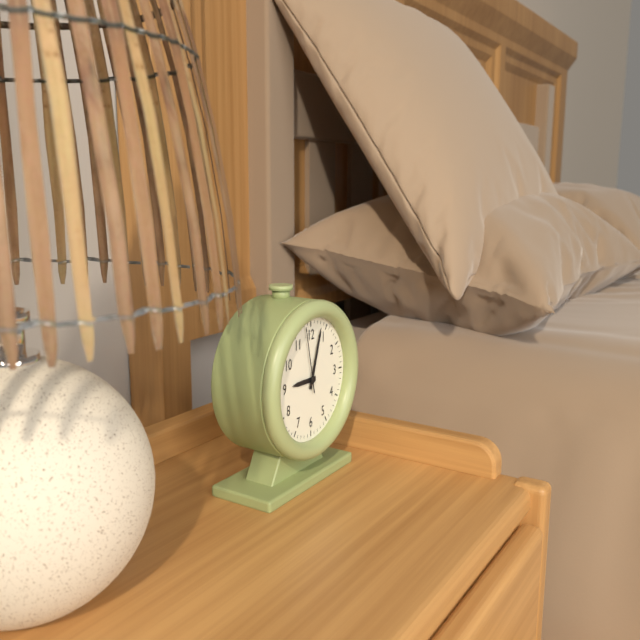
**9:03:58**
